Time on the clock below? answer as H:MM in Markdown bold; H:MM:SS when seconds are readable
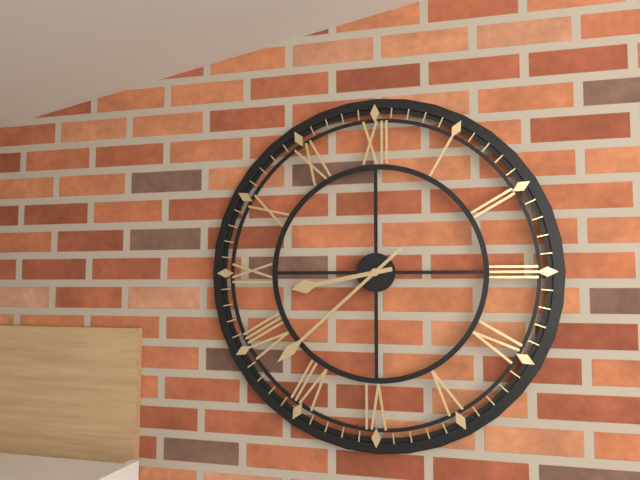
**8:38**
